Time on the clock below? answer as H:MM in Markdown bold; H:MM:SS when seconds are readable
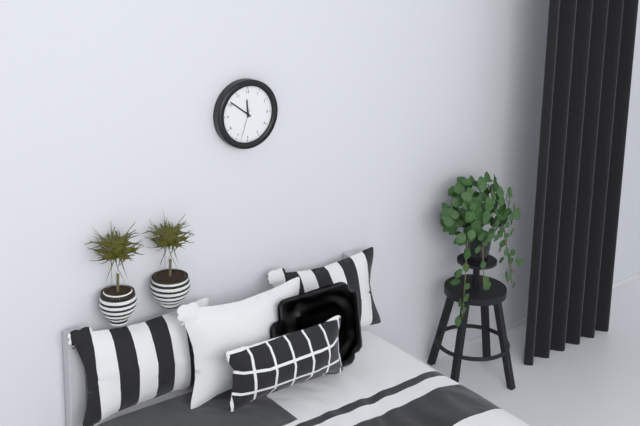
**11:51**
